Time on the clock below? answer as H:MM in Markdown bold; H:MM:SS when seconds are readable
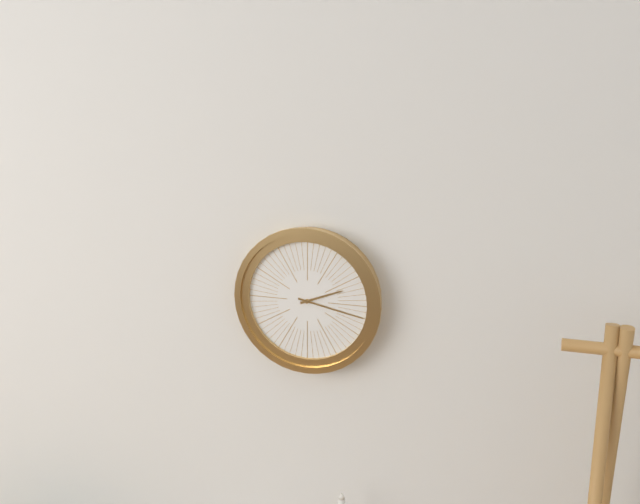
**2:17**
